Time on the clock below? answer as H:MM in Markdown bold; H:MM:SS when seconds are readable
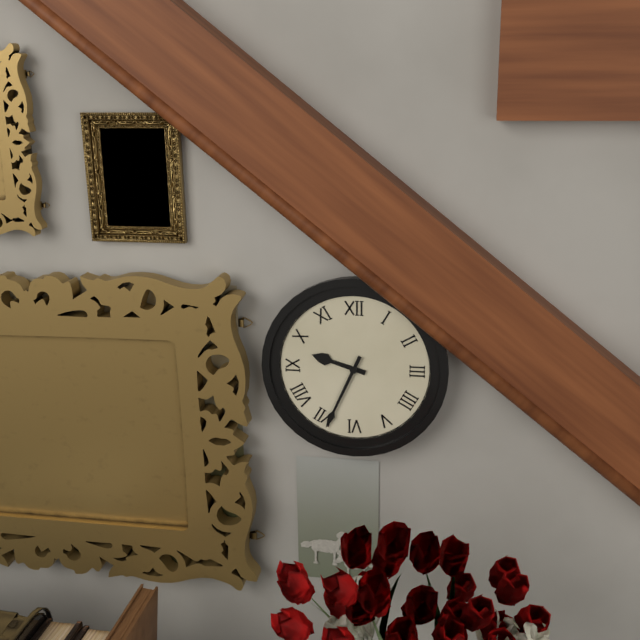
**9:34**
